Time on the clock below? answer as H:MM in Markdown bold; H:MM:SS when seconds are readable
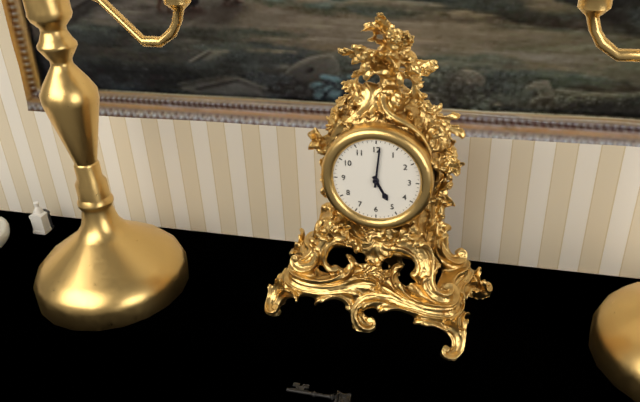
**5:01**
